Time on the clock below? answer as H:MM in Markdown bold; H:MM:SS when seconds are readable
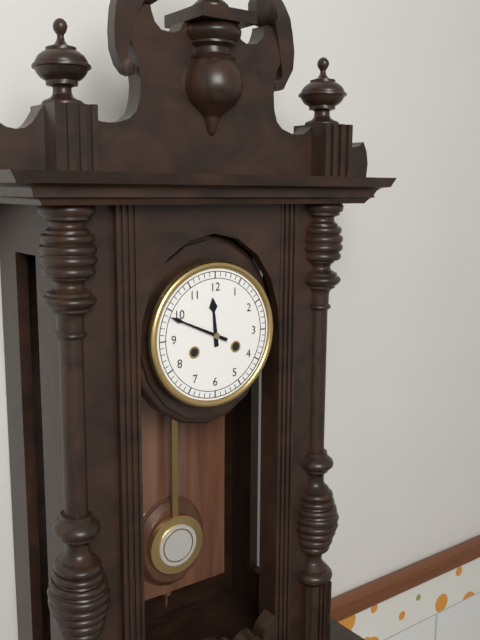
**11:49**
